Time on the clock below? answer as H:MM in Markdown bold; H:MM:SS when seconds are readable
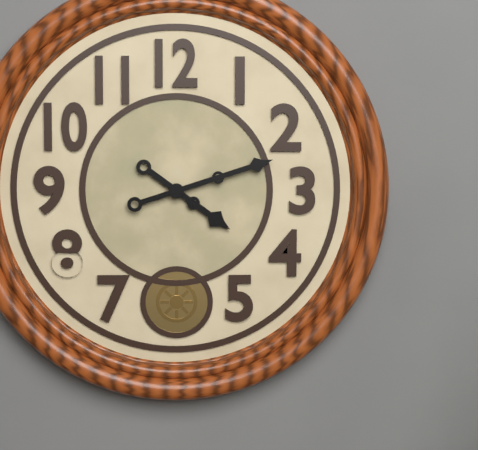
**4:12**
